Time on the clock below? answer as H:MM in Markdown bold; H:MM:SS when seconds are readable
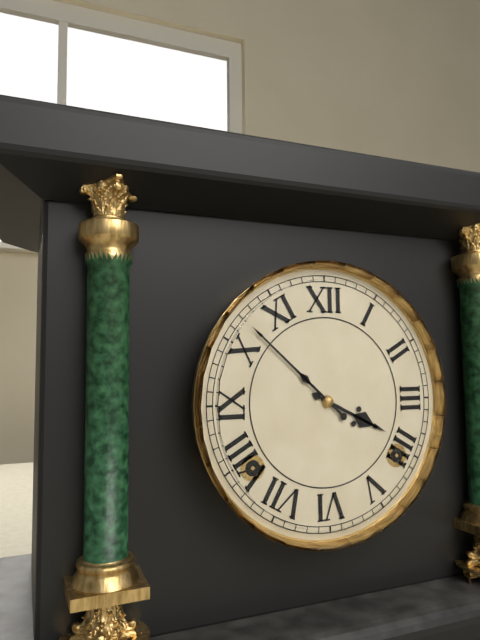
**3:52**
